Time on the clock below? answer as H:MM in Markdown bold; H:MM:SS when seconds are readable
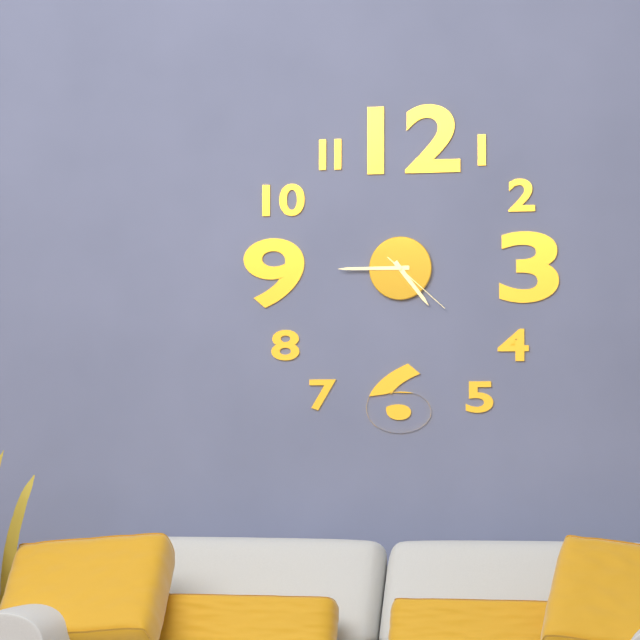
**4:45:22**
